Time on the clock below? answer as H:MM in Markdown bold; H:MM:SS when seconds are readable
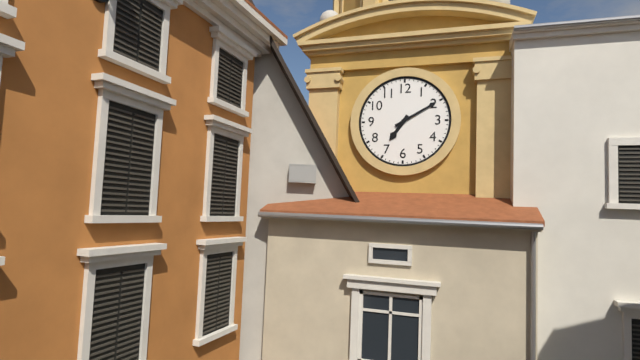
**7:10**
